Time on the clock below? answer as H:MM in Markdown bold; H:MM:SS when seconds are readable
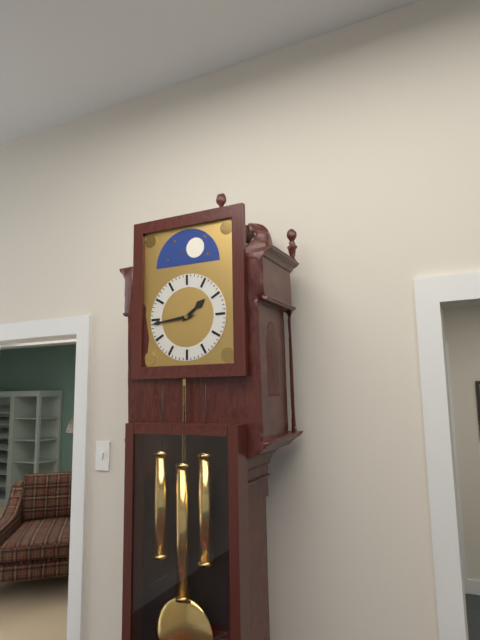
**1:44**
